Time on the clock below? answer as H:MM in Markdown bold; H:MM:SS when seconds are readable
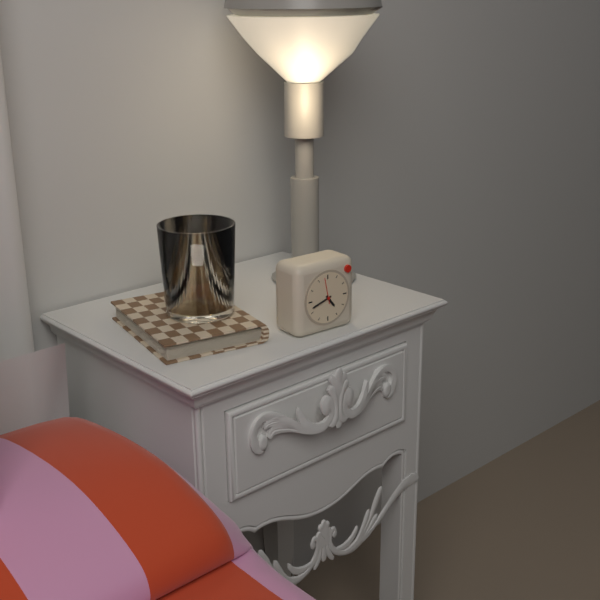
**4:42**
